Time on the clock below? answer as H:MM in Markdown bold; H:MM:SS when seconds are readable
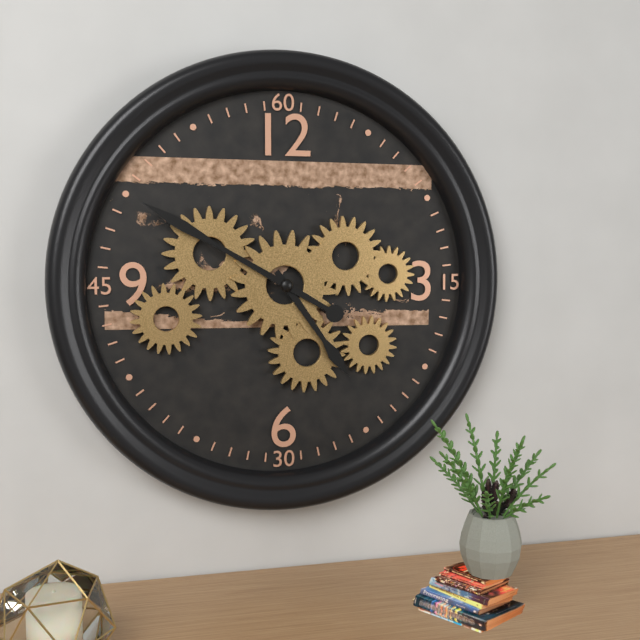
**4:50**
